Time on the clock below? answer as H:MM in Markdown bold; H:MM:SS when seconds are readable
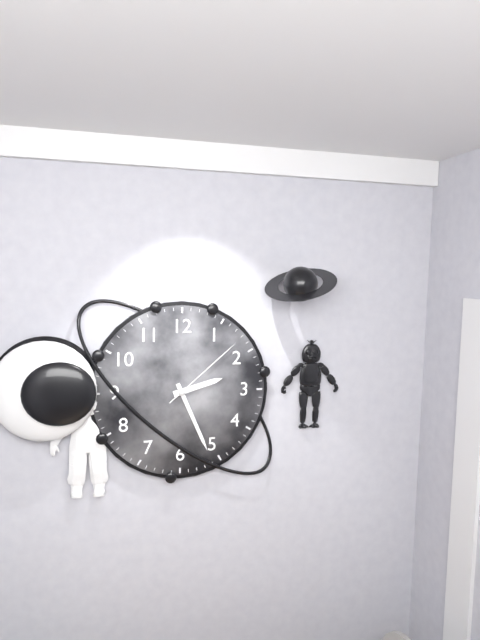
**2:26:08**
